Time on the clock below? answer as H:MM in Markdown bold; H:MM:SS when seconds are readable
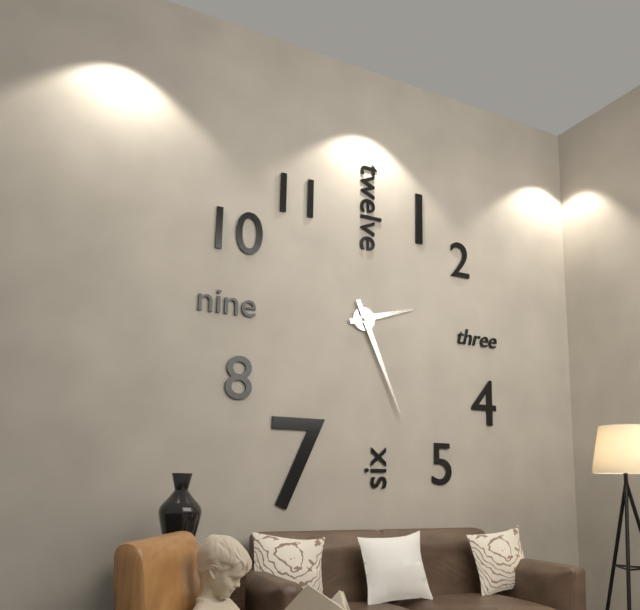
**2:26**
